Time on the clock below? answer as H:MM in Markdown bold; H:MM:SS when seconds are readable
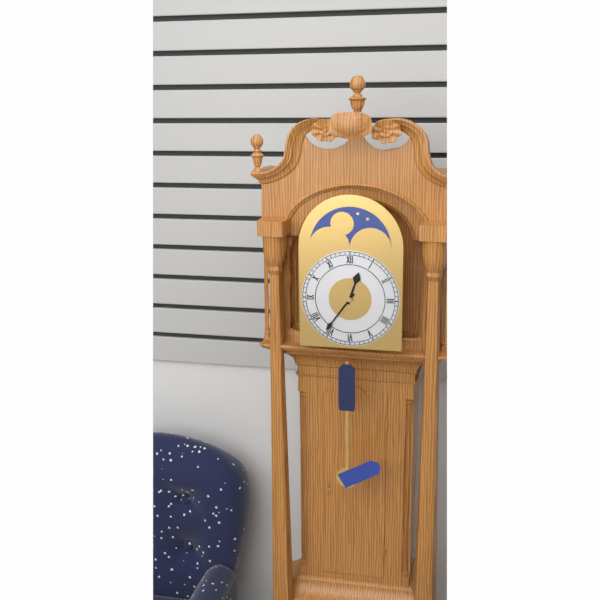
**12:36**
